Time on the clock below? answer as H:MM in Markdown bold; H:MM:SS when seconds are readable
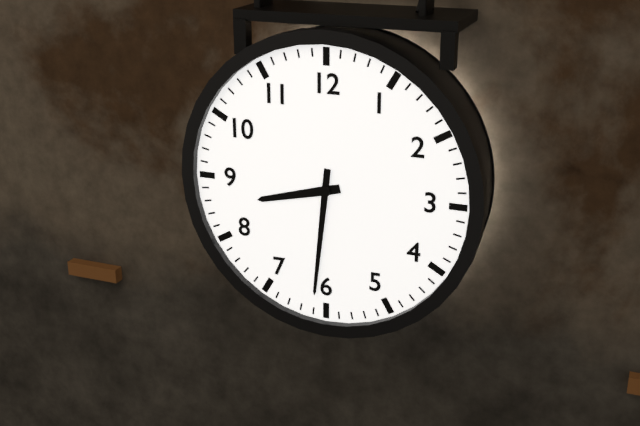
**8:31**
